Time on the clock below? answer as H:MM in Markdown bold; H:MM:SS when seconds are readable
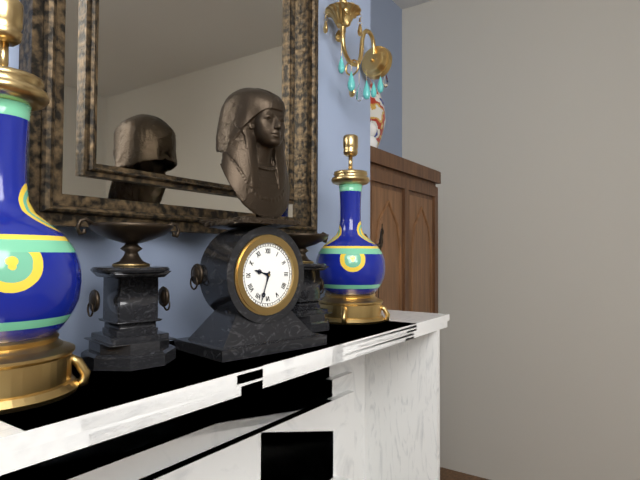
**9:33**
